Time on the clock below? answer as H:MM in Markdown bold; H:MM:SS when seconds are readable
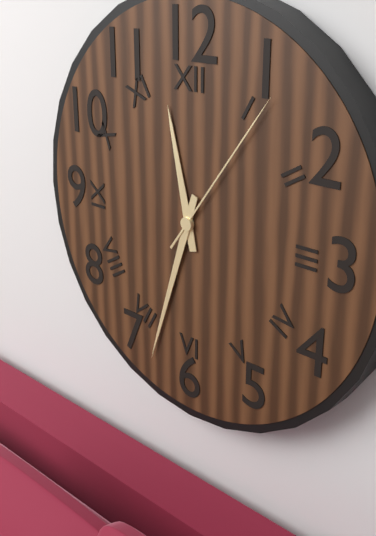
**11:33:06**
